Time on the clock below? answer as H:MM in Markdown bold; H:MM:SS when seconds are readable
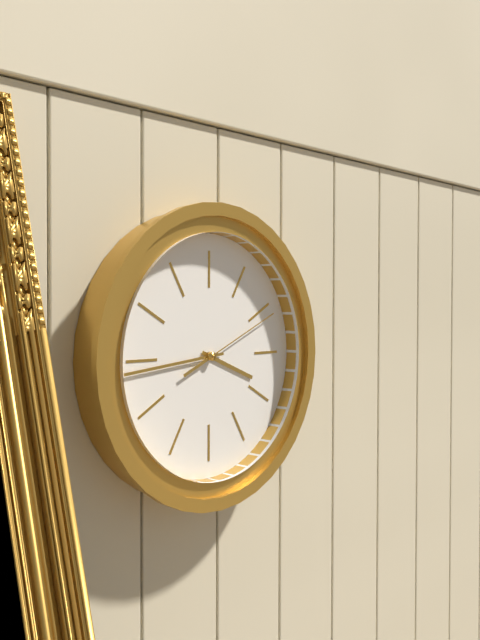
**3:44:11**
